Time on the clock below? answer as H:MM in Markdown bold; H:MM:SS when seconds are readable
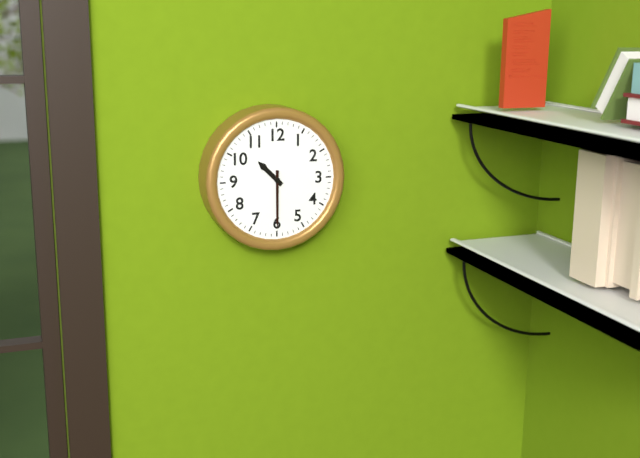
**10:30**
